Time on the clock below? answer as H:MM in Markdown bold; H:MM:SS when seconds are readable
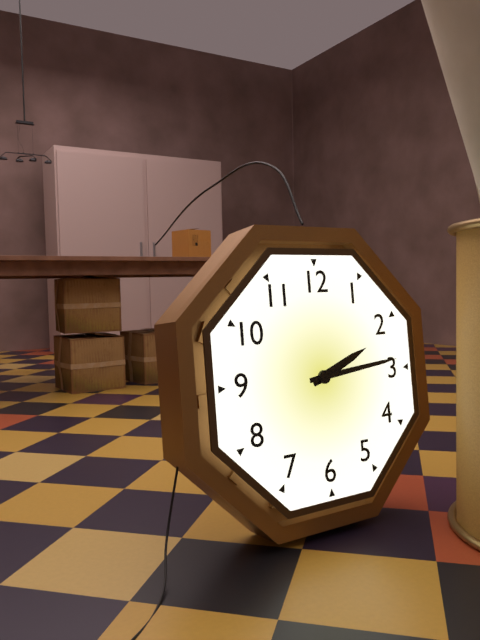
**2:14**
